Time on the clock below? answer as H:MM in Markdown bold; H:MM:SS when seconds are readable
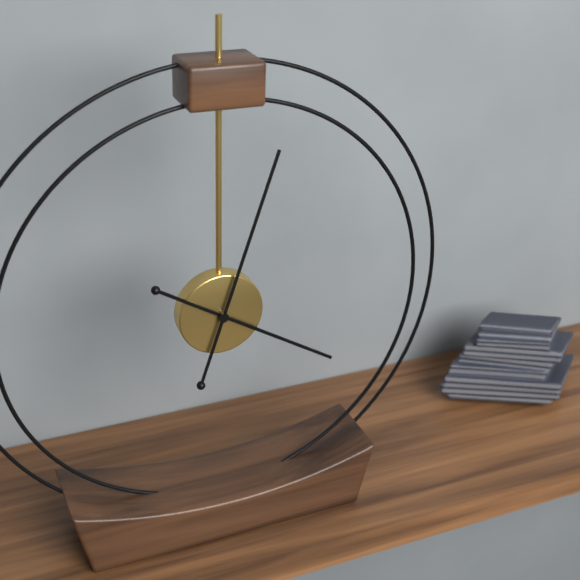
**4:03**
